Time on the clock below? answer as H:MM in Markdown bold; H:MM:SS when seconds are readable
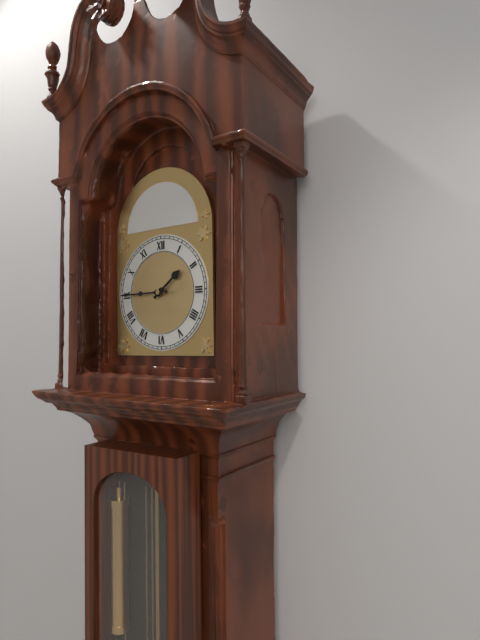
**1:45**
